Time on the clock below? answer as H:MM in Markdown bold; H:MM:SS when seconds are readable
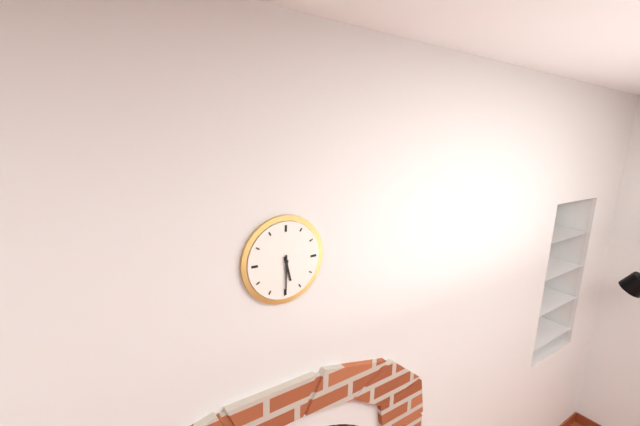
**5:30**
